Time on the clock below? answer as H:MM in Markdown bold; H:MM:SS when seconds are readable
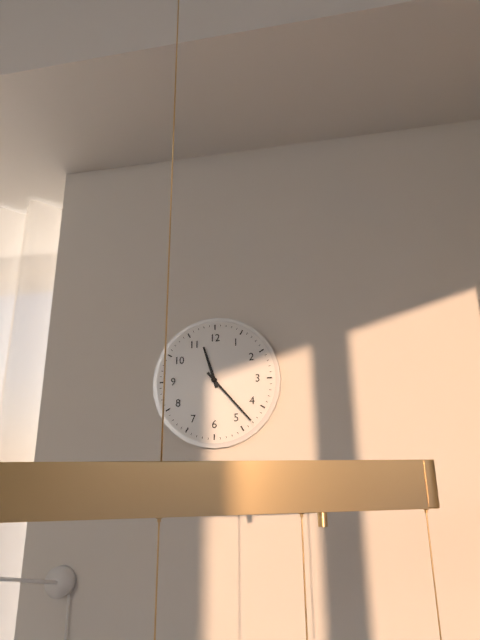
**11:23**
